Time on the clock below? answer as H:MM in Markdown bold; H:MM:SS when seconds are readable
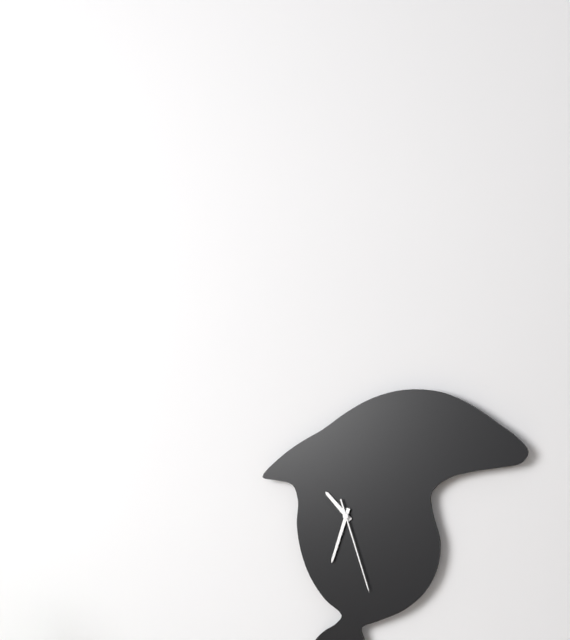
**10:33:27**
